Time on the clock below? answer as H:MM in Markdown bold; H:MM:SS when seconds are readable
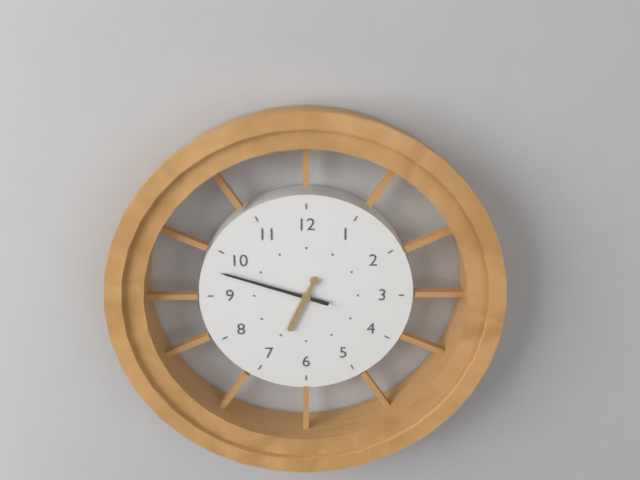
**6:48**
